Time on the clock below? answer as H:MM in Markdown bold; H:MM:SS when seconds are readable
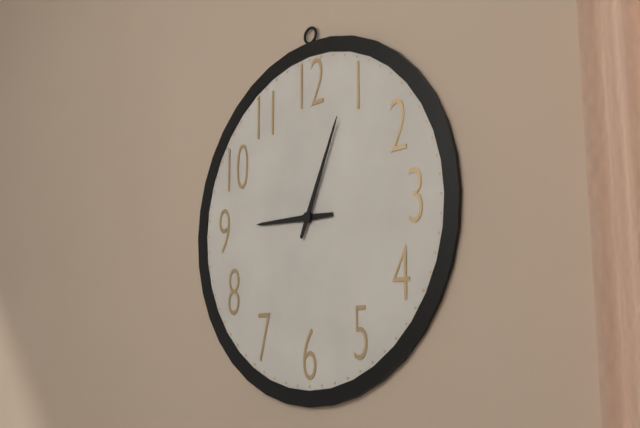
**9:04**
